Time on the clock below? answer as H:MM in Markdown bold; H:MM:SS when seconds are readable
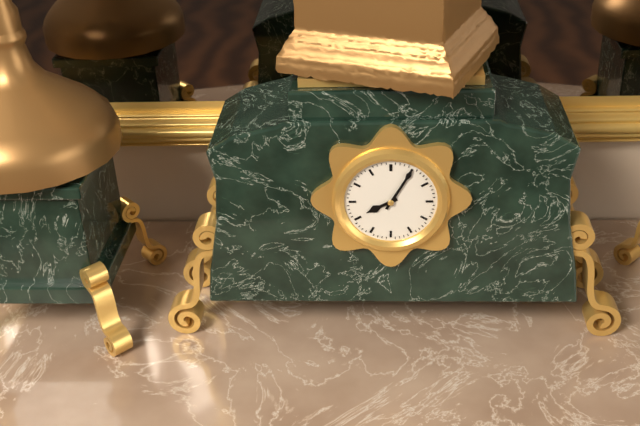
**8:05**
